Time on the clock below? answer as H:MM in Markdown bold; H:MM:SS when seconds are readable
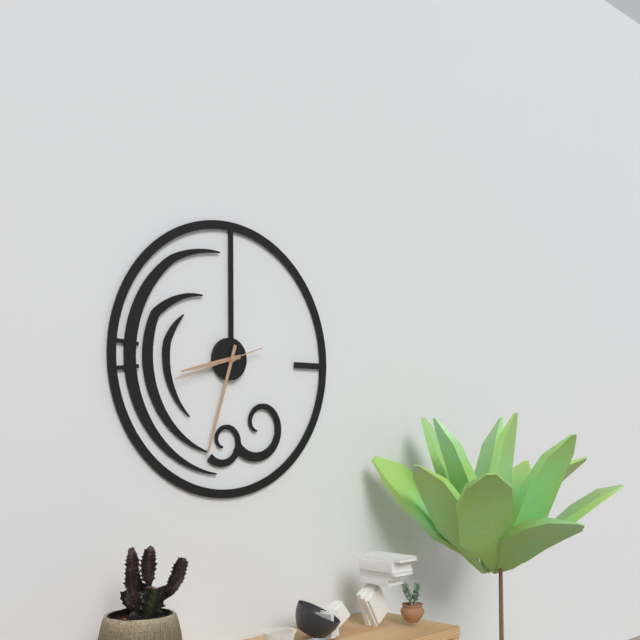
**8:33:42**
